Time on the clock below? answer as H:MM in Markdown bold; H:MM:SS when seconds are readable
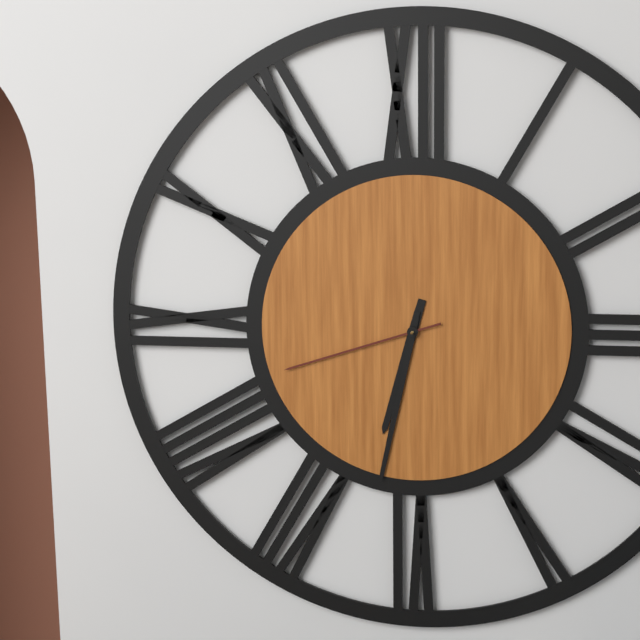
**6:32:42**
